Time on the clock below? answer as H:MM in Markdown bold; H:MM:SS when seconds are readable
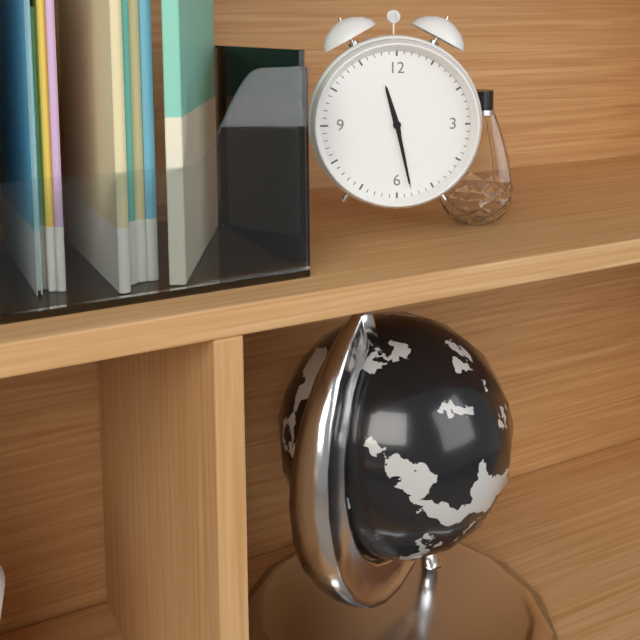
**11:28**
